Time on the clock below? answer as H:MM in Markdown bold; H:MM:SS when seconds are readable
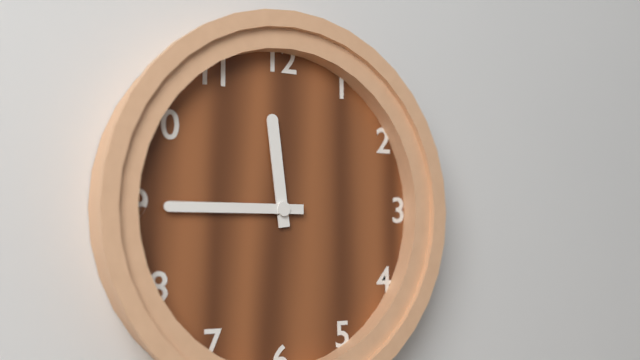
**11:45**
